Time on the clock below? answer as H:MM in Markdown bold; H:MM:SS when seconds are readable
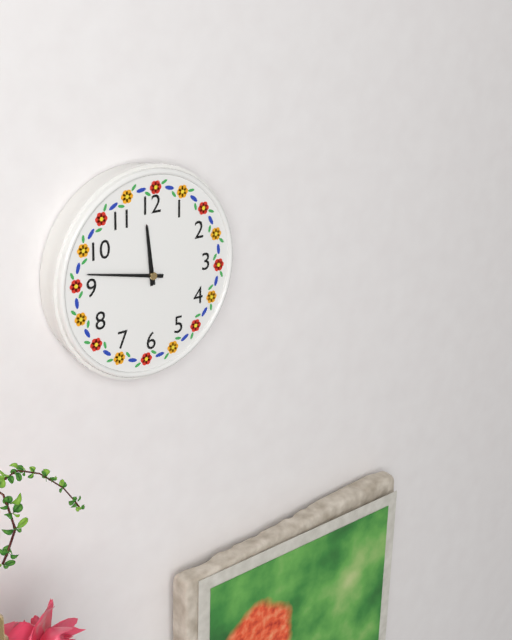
**11:47**
